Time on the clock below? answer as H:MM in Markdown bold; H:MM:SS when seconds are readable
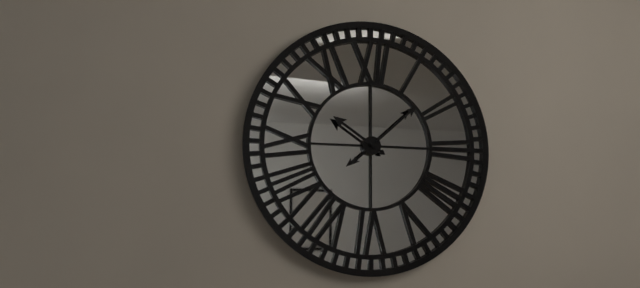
**10:08**
